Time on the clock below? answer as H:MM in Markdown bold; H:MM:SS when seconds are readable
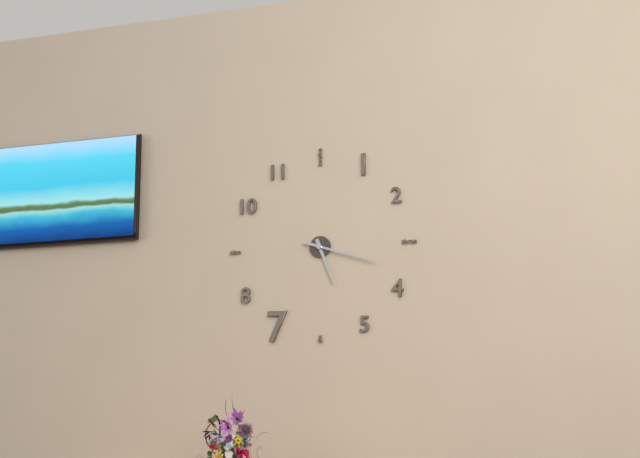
**5:18**
